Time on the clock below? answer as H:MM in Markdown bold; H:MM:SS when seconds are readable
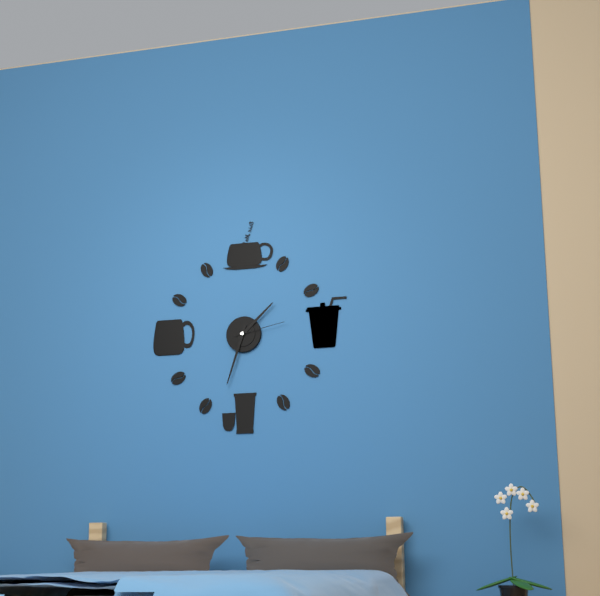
**1:33:13**
